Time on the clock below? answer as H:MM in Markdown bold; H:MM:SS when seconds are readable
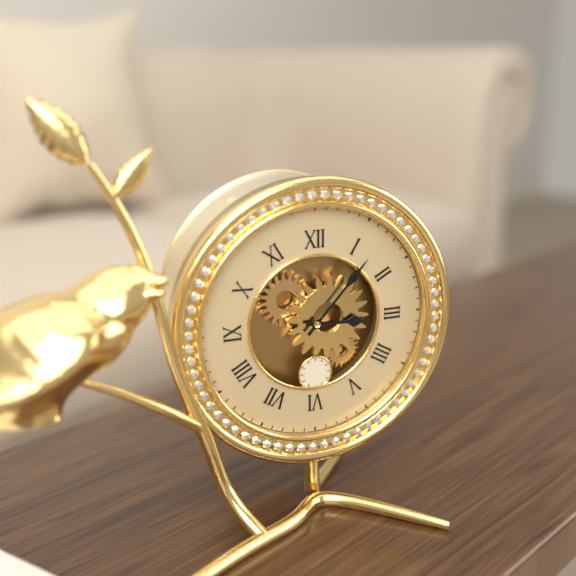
**3:07**
